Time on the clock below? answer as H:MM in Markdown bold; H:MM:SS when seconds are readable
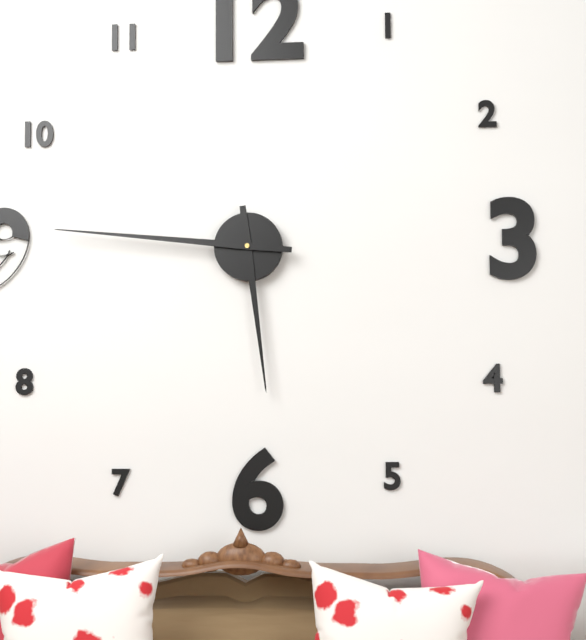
**5:46**
